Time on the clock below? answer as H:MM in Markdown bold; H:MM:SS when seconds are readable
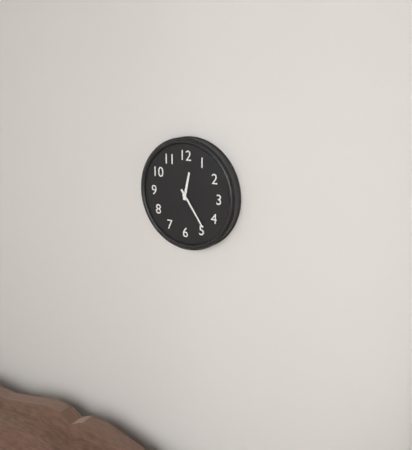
**12:24**
